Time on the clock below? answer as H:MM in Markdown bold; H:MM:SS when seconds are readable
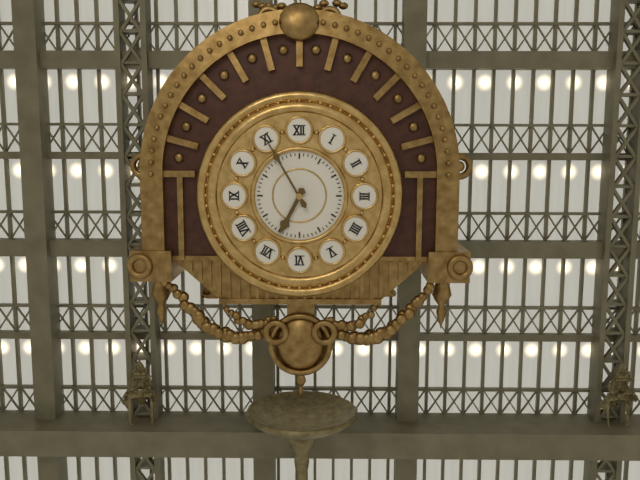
**6:55**
